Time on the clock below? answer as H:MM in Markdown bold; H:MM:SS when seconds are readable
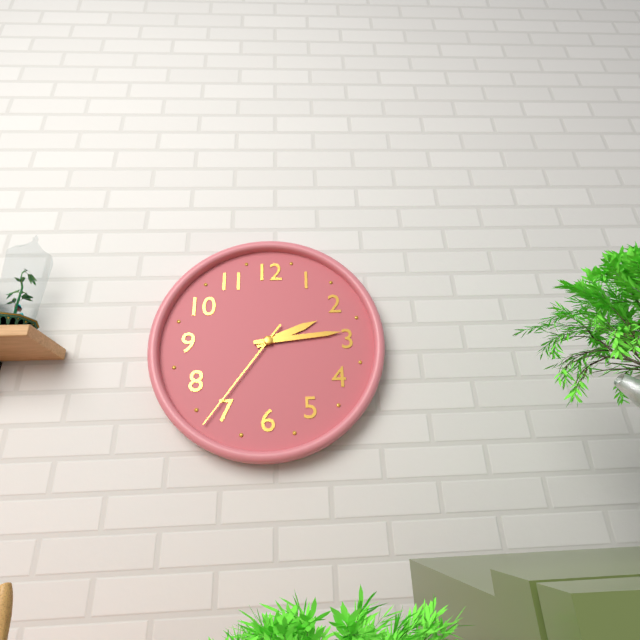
**2:14:36**
